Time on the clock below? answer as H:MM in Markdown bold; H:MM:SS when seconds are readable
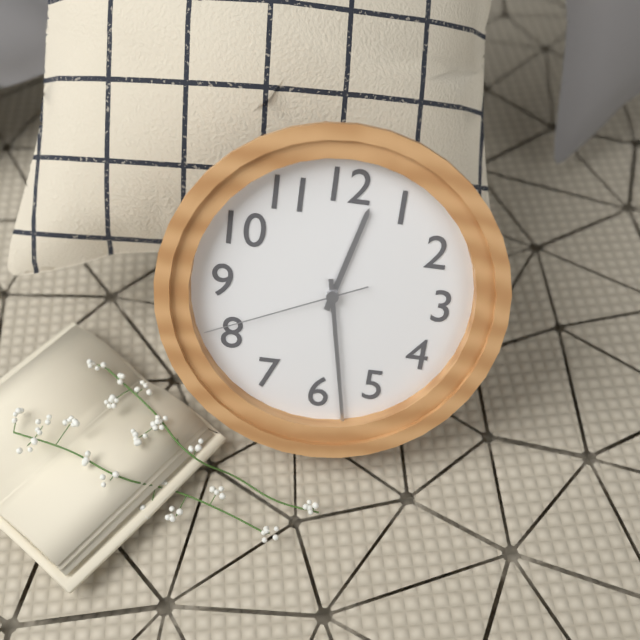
**12:28:41**
